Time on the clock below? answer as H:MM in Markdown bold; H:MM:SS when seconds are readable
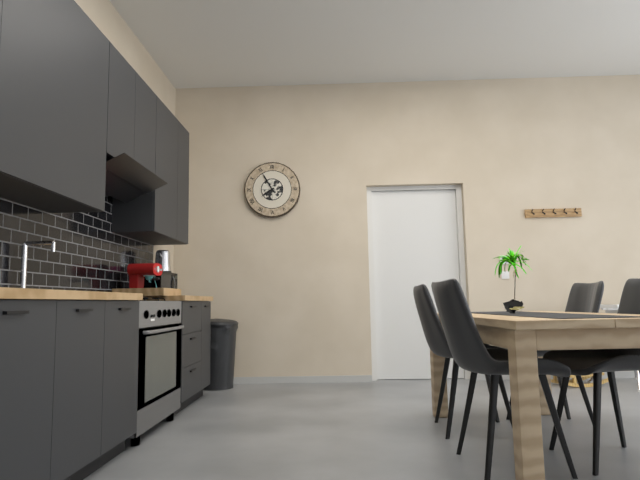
**7:55**
